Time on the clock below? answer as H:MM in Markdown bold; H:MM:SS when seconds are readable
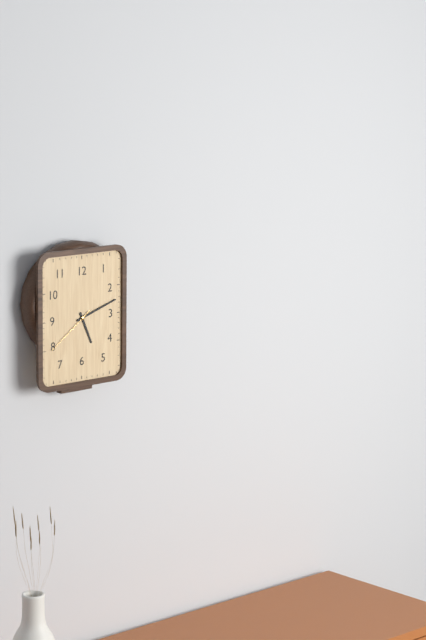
**5:12:39**
